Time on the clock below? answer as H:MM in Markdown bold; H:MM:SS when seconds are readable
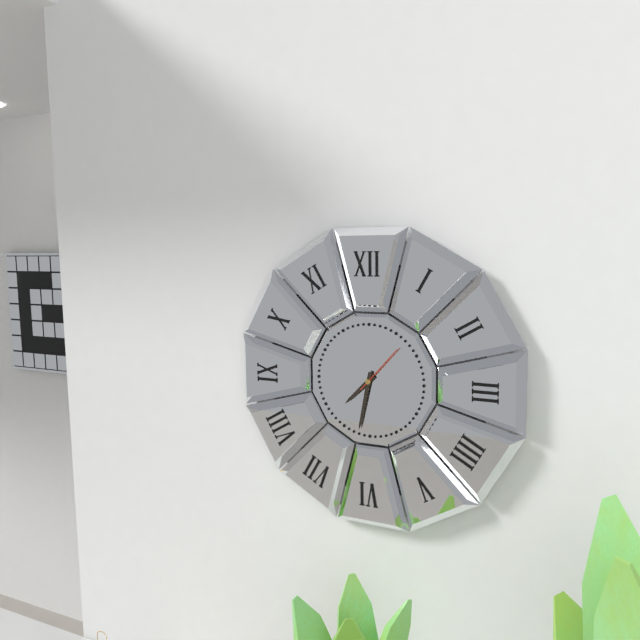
**7:32**
